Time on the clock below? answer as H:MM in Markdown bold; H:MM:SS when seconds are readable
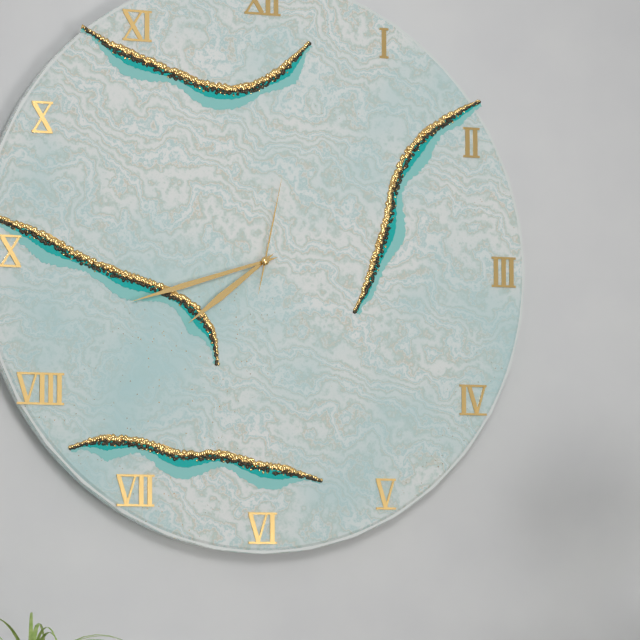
**7:42:02**
